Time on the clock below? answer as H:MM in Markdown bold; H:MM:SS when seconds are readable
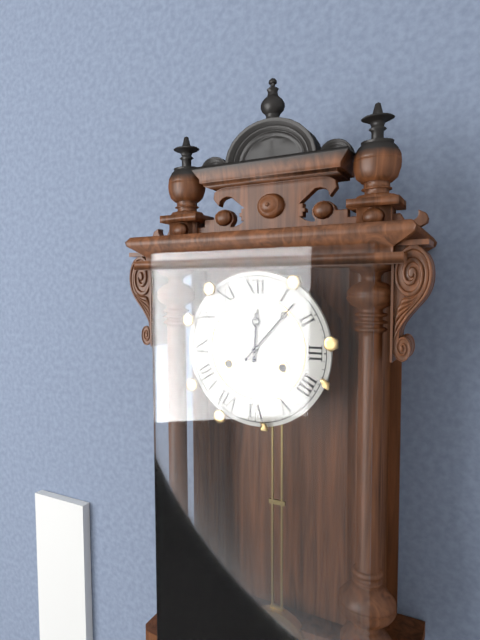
**12:07**
